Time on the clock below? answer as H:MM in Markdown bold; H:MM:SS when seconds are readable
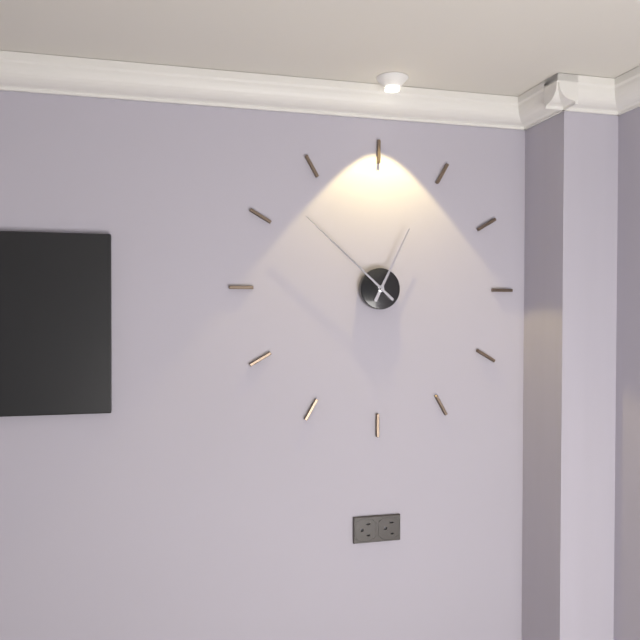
**12:52**
